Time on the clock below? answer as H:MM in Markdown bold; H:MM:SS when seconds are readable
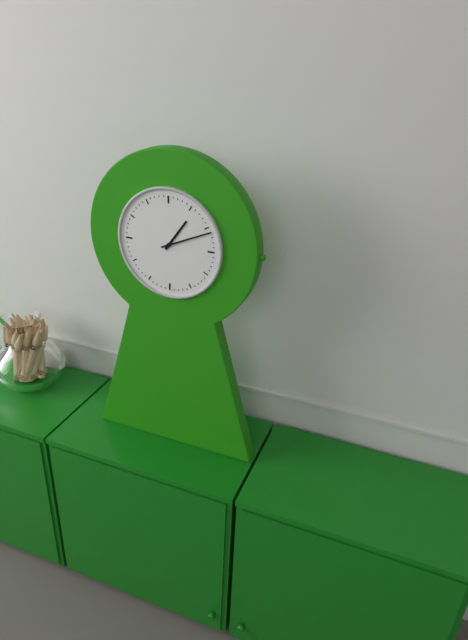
**1:11**
